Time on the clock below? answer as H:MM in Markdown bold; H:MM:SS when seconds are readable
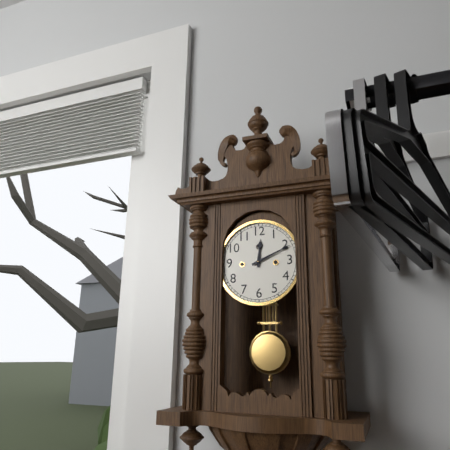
**12:11**
